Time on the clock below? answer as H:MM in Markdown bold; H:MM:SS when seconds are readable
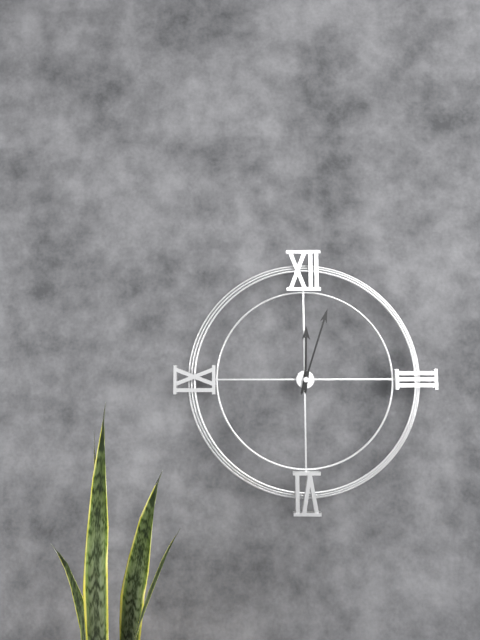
**12:03**
